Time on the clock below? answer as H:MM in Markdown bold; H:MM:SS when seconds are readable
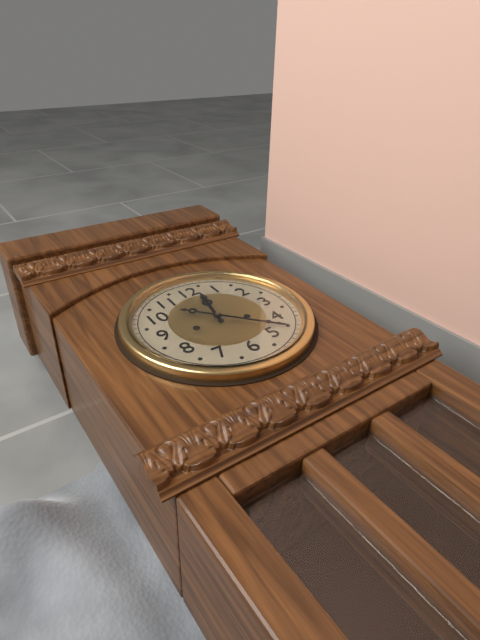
**12:23**
